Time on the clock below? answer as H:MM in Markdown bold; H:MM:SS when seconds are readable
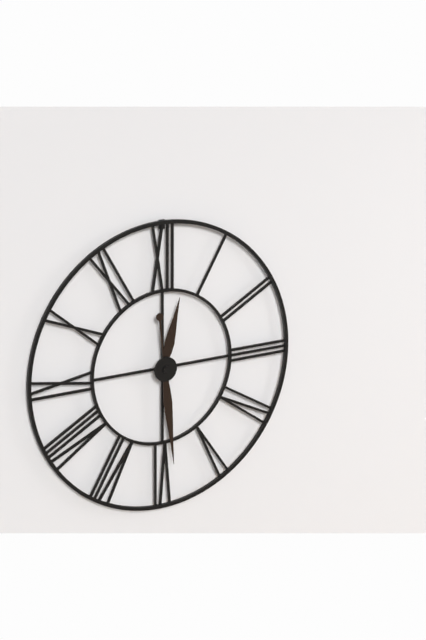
**12:29**
